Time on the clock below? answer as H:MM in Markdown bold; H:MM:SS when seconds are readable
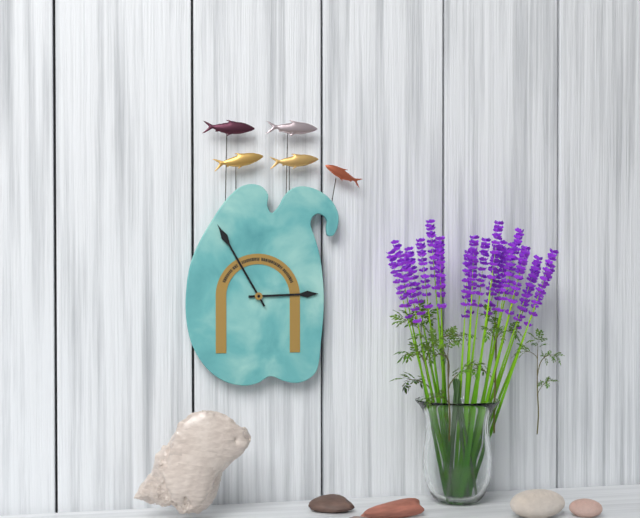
**2:55**
